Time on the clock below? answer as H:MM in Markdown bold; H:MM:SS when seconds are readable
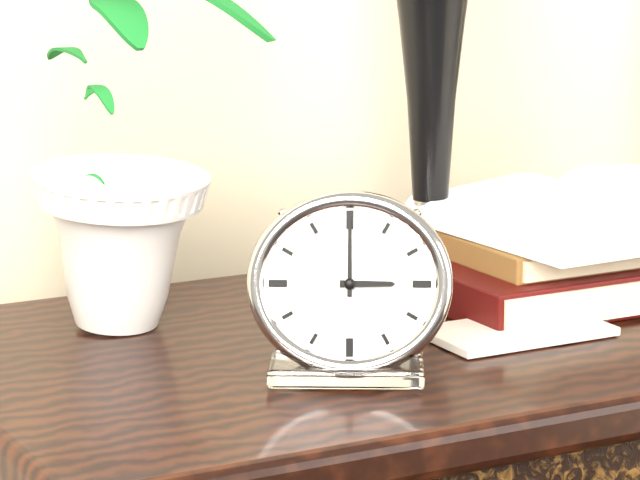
**3:00**
